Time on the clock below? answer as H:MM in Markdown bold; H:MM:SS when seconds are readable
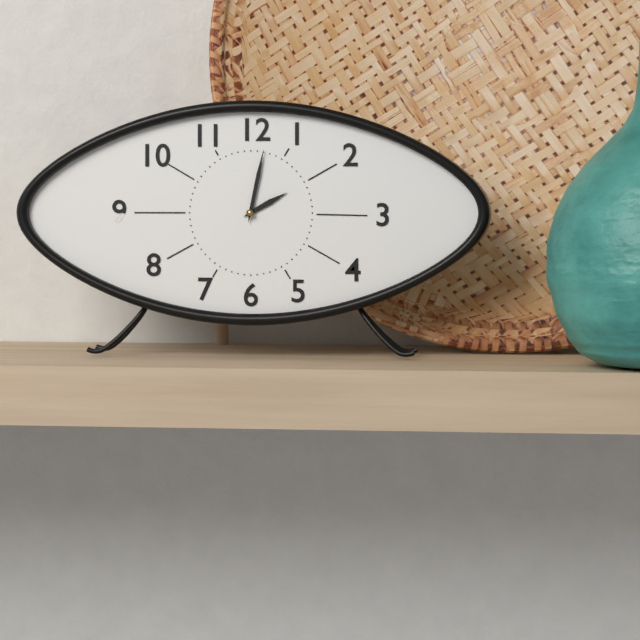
**2:02**
